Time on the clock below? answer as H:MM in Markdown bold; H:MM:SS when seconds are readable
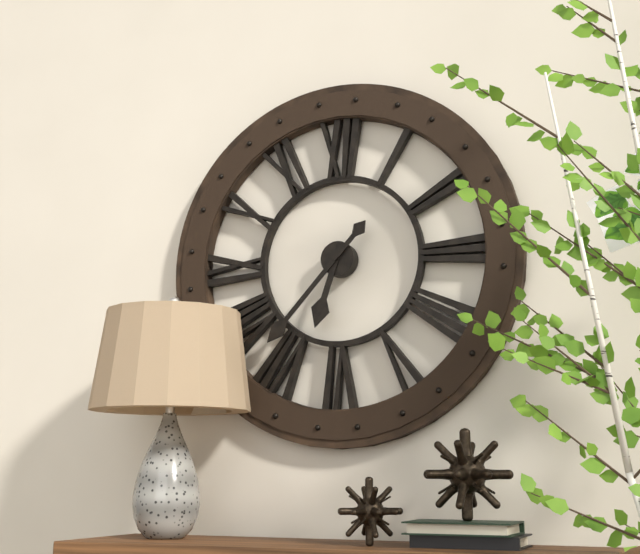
**6:37**
